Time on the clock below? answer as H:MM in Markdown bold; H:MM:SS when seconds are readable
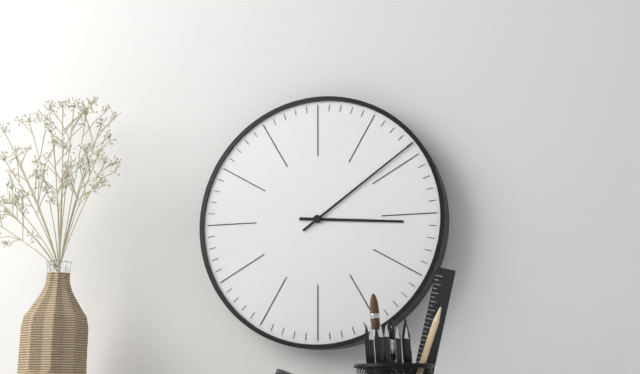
**3:09**
